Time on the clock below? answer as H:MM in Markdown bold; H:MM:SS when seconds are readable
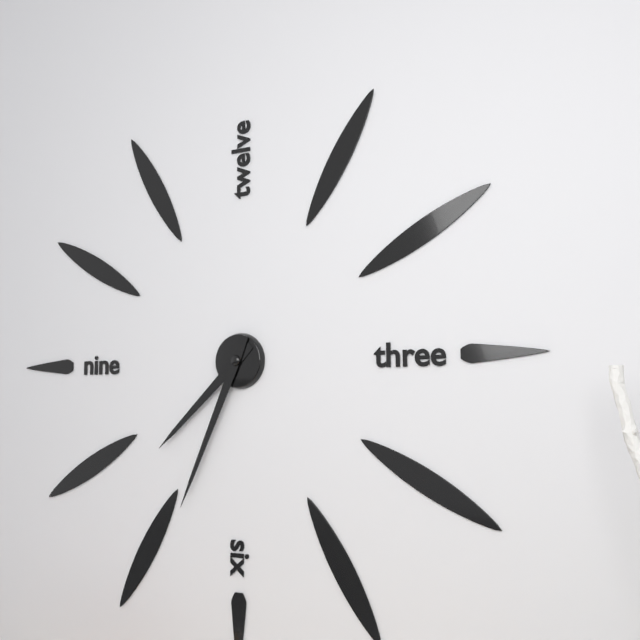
**7:34**
